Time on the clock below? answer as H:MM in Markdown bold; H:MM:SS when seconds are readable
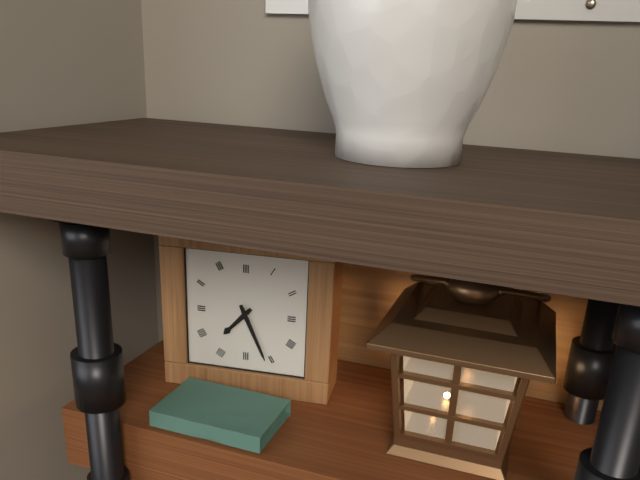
**7:26**
